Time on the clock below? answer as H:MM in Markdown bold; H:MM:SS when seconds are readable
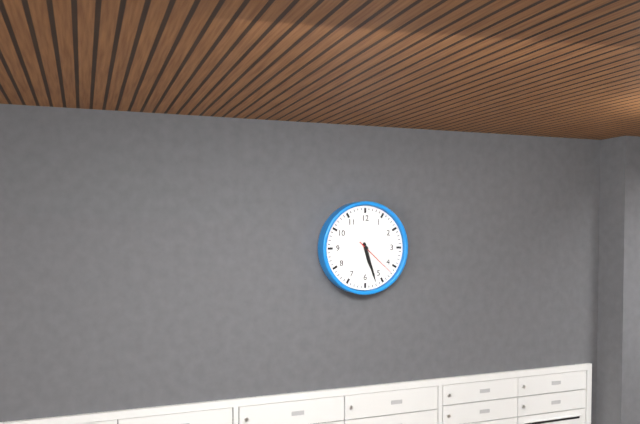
**5:27**
